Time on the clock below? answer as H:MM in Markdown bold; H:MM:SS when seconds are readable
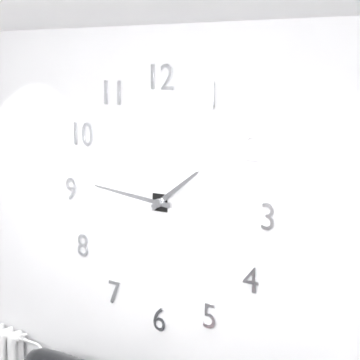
**1:46**
